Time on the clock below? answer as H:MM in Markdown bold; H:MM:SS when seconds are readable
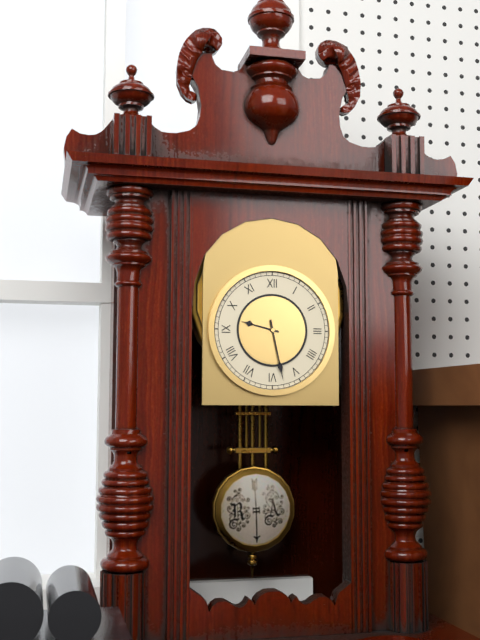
**9:28**
